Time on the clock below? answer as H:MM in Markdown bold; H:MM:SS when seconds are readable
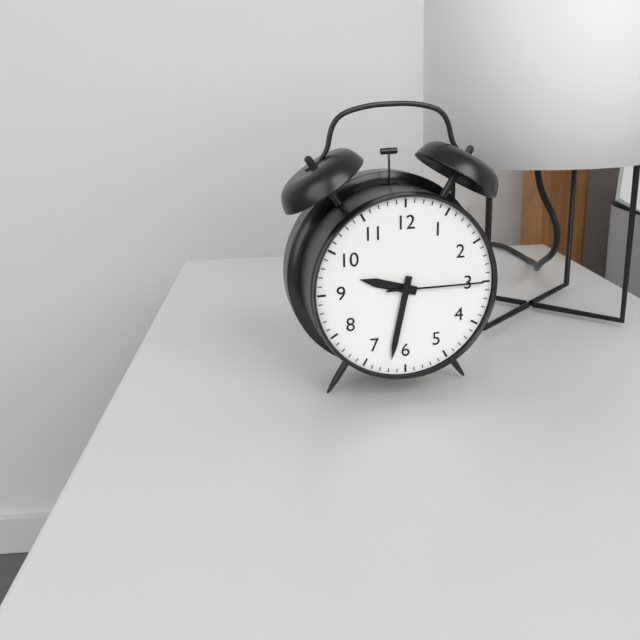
**9:32:15**
